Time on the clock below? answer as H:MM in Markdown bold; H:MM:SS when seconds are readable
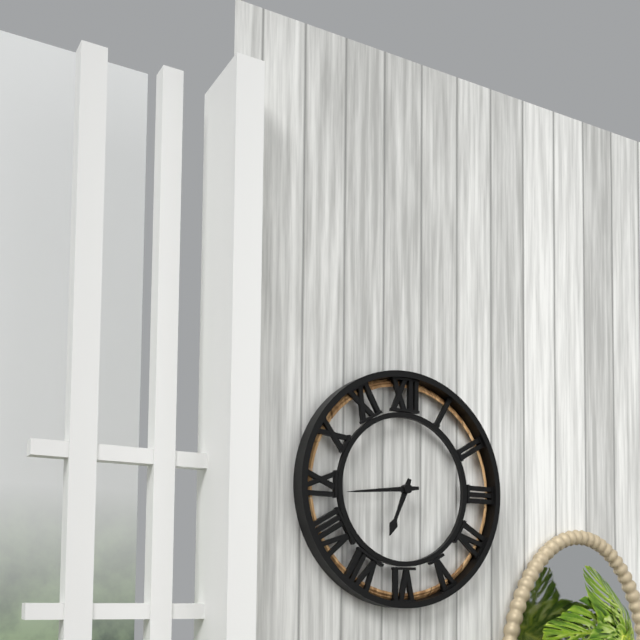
**6:44**
